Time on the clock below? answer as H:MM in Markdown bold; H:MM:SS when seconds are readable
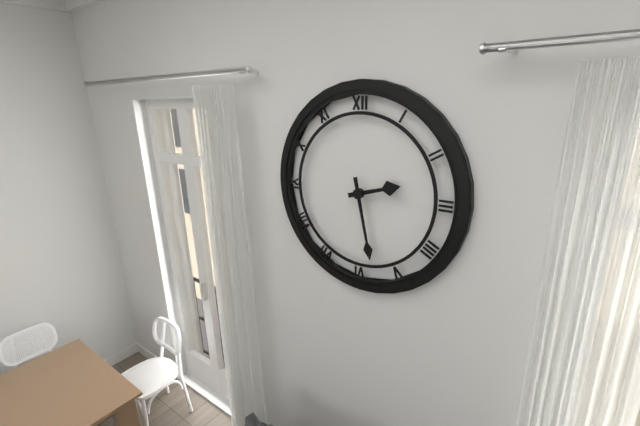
**2:28**
